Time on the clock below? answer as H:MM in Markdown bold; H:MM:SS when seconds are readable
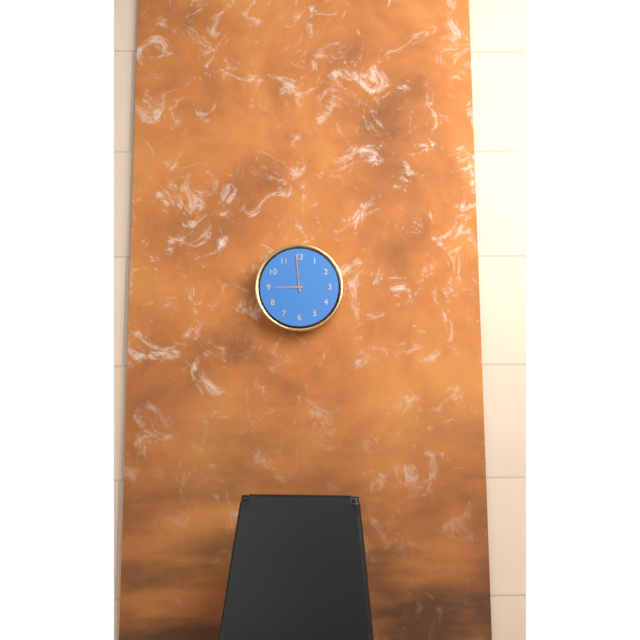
**8:59**
